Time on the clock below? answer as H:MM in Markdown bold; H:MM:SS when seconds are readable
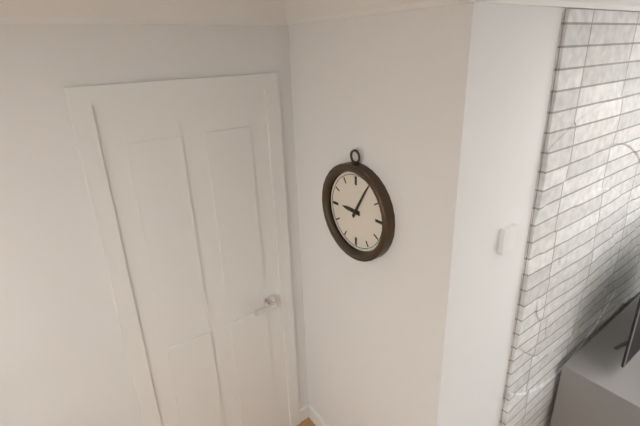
**9:05**
